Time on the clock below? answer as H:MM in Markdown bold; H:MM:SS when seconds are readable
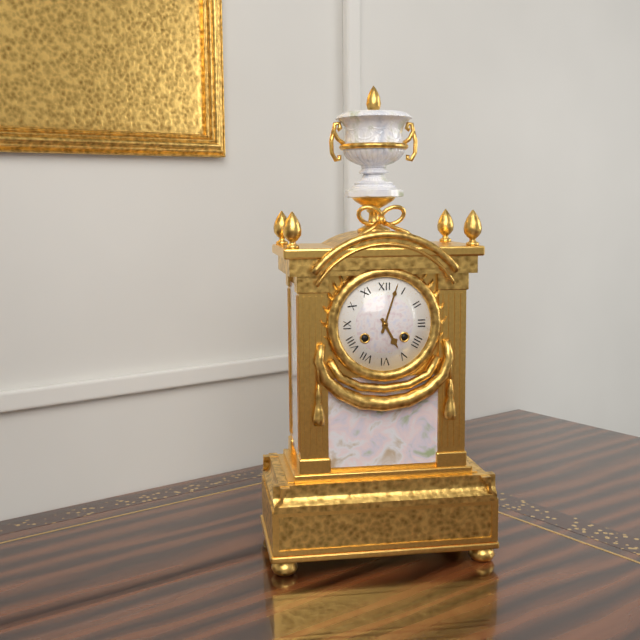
**5:03**
